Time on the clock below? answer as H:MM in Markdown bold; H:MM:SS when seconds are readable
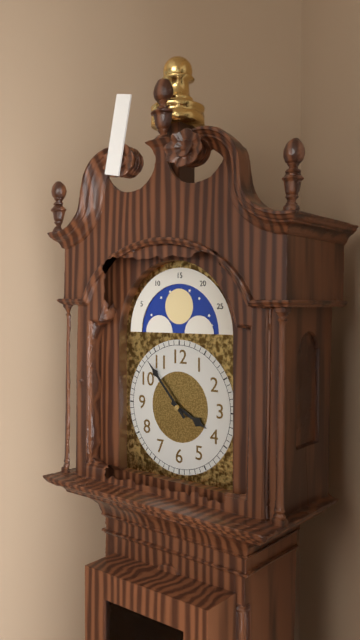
**3:53**
